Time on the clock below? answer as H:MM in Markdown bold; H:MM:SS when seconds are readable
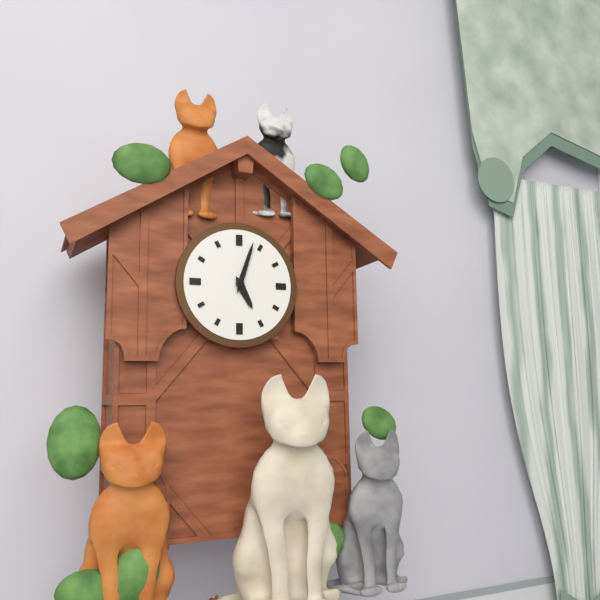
**5:03**
